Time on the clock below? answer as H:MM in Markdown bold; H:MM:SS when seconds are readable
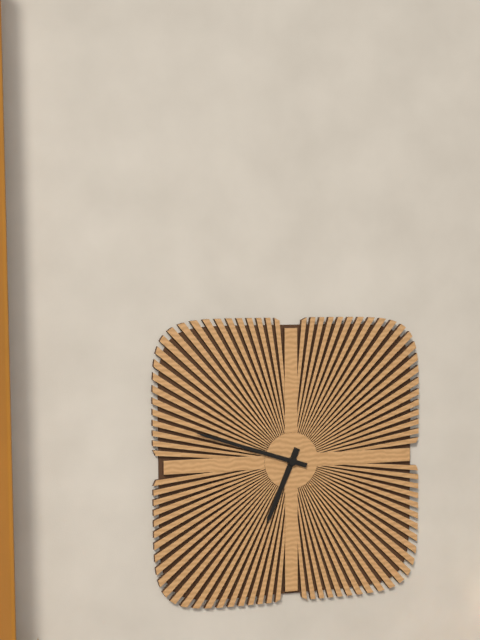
**6:48**
